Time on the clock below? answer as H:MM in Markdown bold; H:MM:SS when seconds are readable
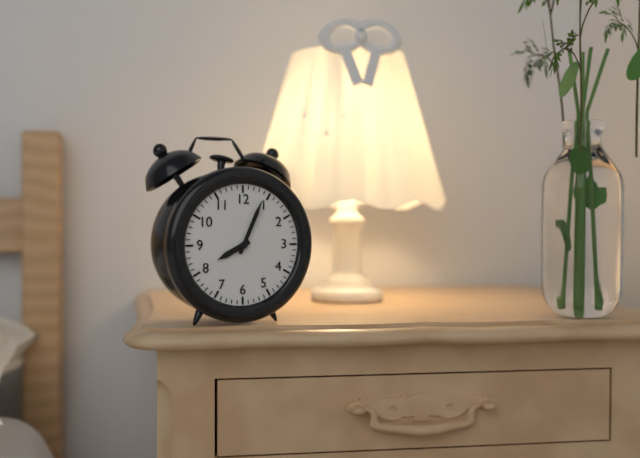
**8:04**
